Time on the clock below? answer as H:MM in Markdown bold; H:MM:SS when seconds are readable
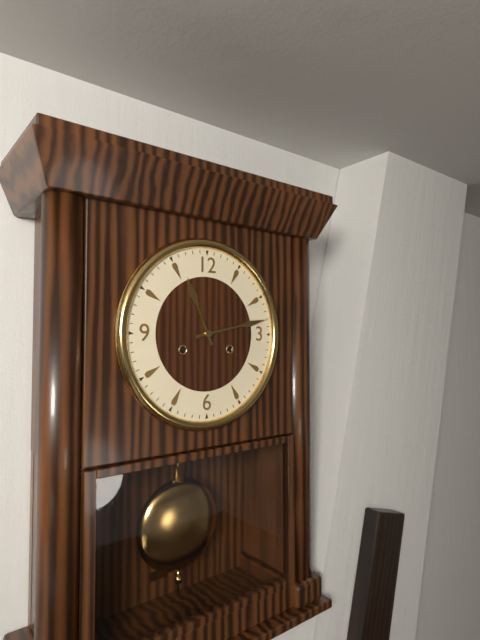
**11:13**
